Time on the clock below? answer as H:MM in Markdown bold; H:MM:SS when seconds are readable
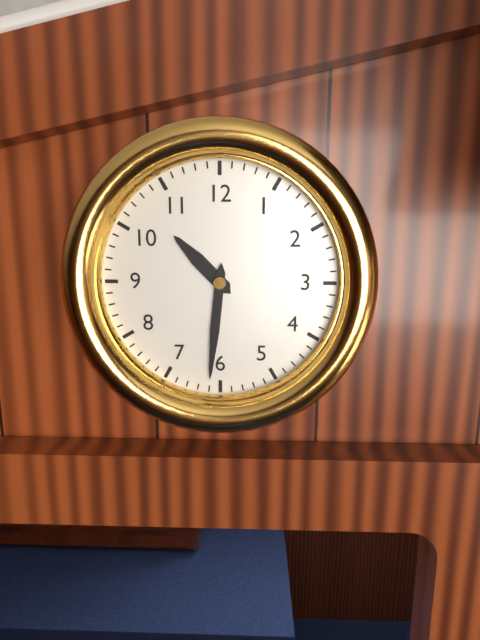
**10:31**
